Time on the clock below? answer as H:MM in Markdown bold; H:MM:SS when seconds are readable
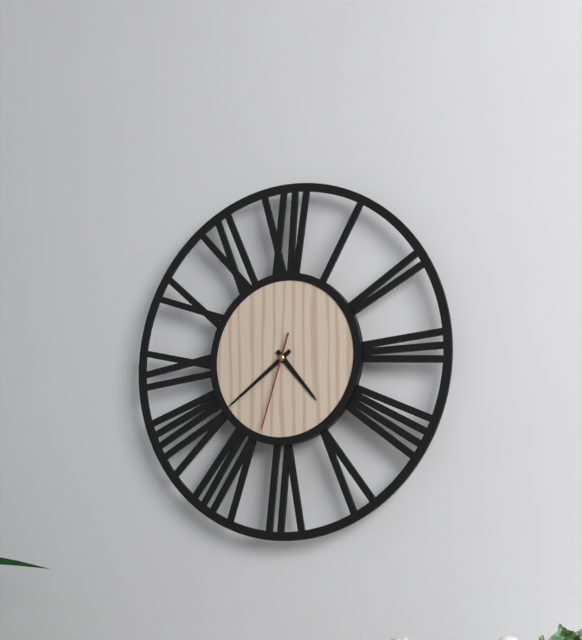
**4:39:33**
